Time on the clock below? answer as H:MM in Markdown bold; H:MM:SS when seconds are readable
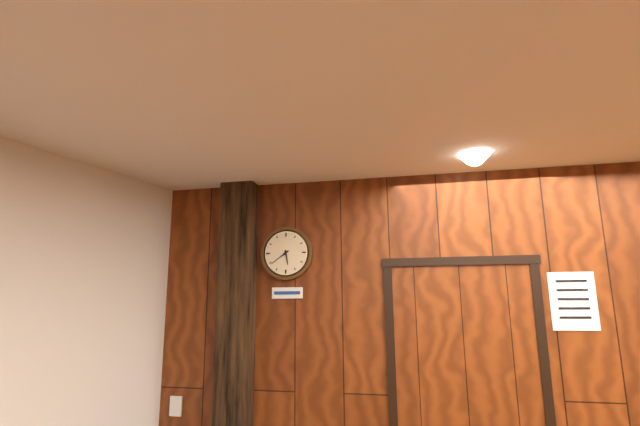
**5:39**
